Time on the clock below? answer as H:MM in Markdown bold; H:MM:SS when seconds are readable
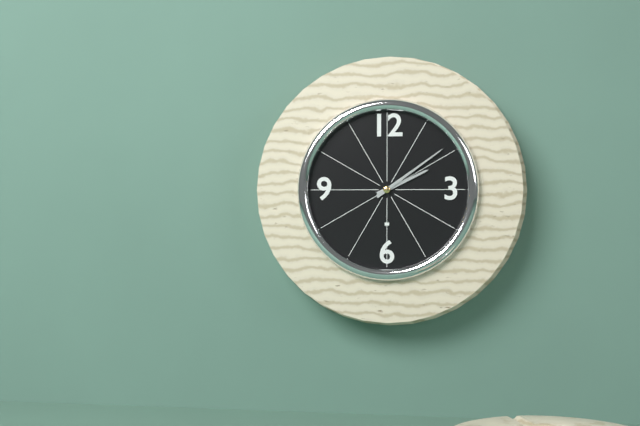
**2:09**
